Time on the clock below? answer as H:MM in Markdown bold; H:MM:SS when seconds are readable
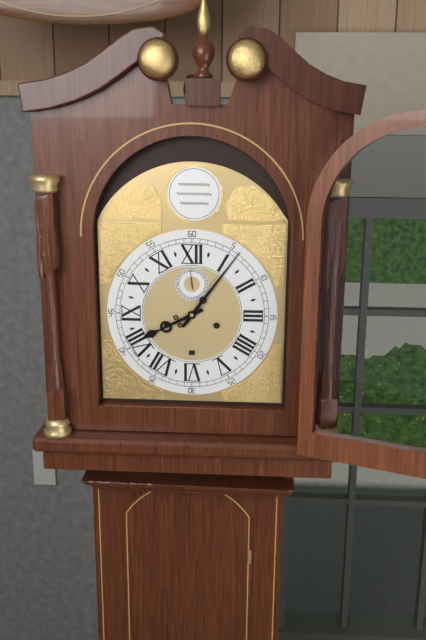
**8:06**
